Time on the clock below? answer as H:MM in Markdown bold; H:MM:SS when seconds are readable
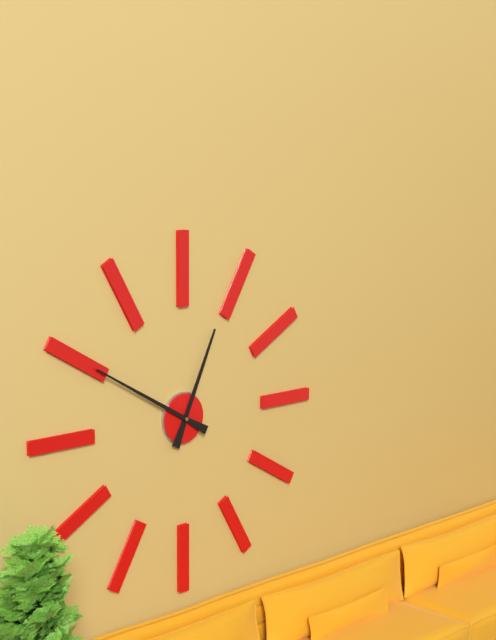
**12:50**
